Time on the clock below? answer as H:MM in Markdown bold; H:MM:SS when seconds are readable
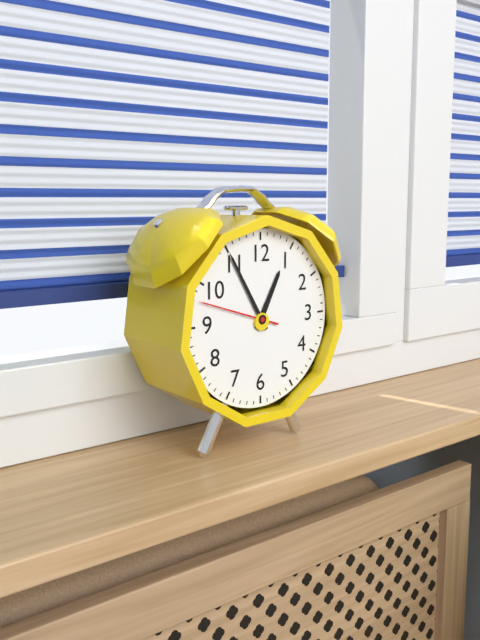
**12:55:48**
